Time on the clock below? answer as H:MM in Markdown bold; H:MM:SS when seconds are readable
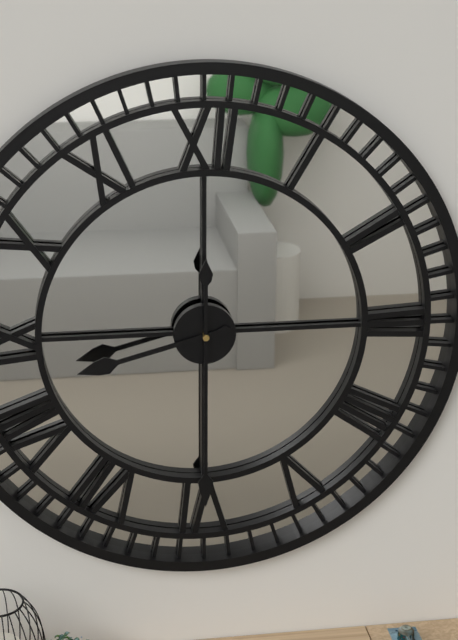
**8:30**
